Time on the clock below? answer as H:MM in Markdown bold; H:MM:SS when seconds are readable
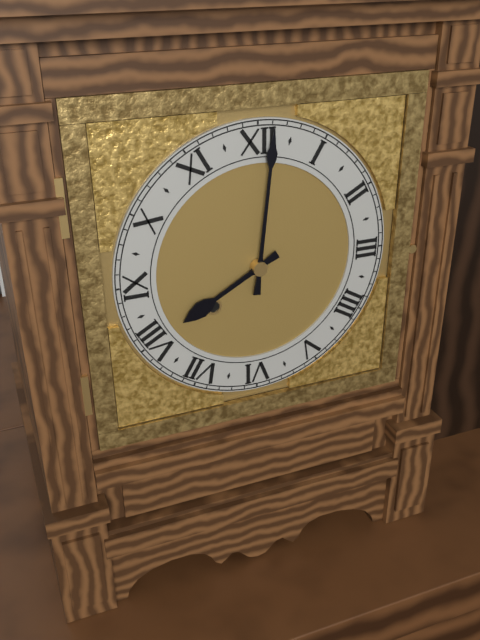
**8:01**
